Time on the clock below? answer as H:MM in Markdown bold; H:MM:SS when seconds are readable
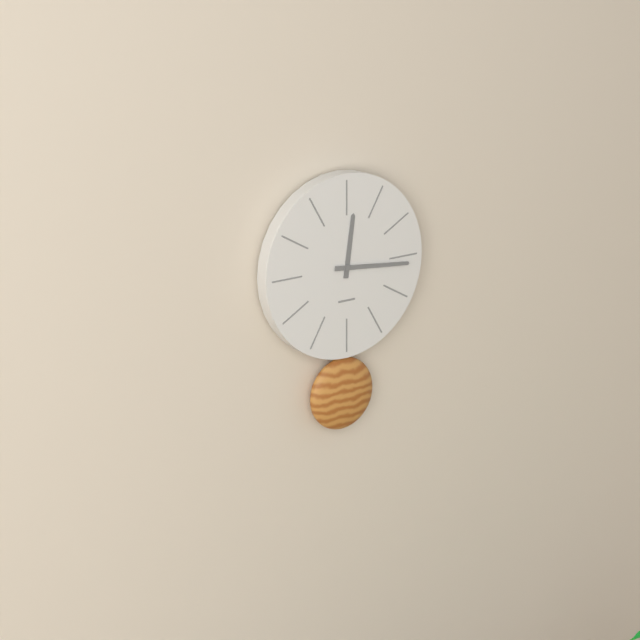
**12:16**
